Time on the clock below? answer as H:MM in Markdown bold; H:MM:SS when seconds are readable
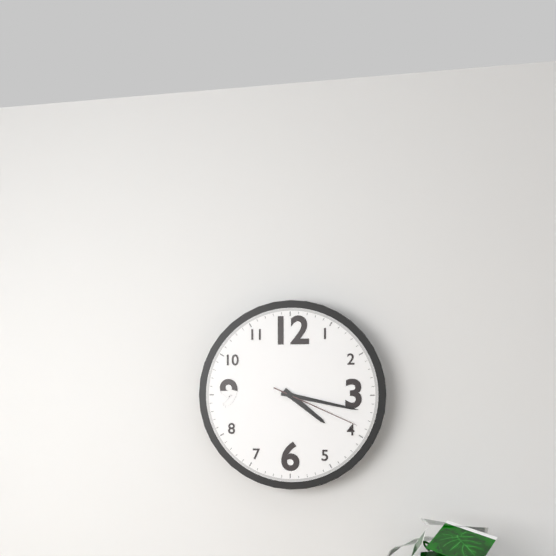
**4:17:19**
